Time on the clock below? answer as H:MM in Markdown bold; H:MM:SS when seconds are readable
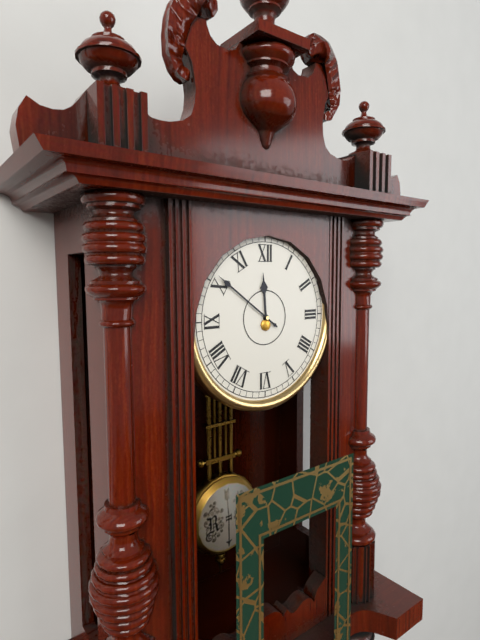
**11:51**
